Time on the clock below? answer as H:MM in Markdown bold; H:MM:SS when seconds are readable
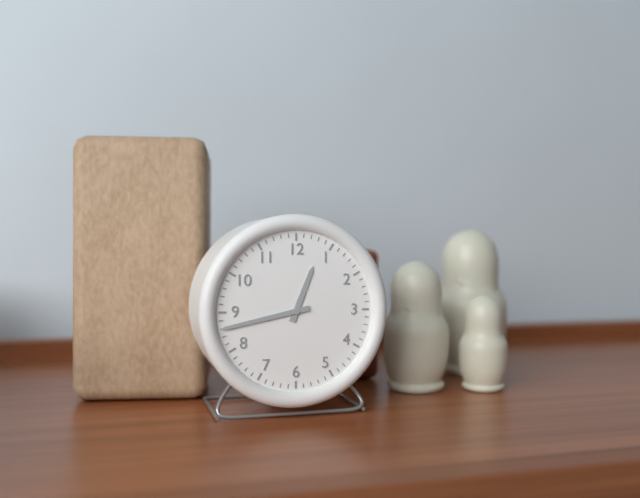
**12:43**
